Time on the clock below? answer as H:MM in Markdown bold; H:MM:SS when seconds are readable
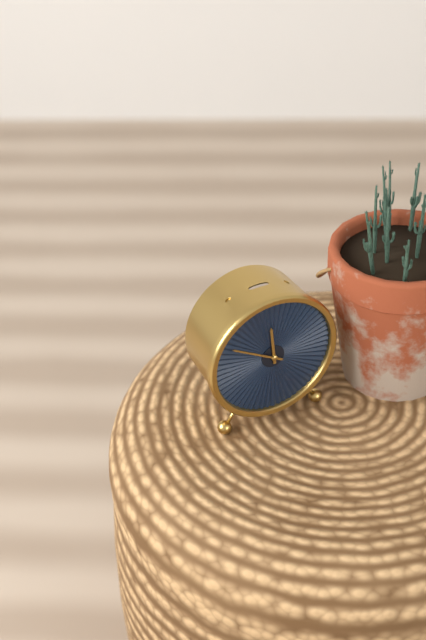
**11:50**
